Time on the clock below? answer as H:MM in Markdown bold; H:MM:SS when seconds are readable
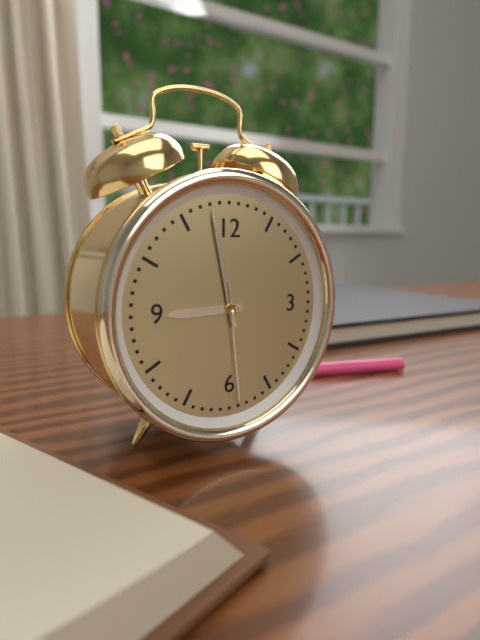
**8:58:29**
